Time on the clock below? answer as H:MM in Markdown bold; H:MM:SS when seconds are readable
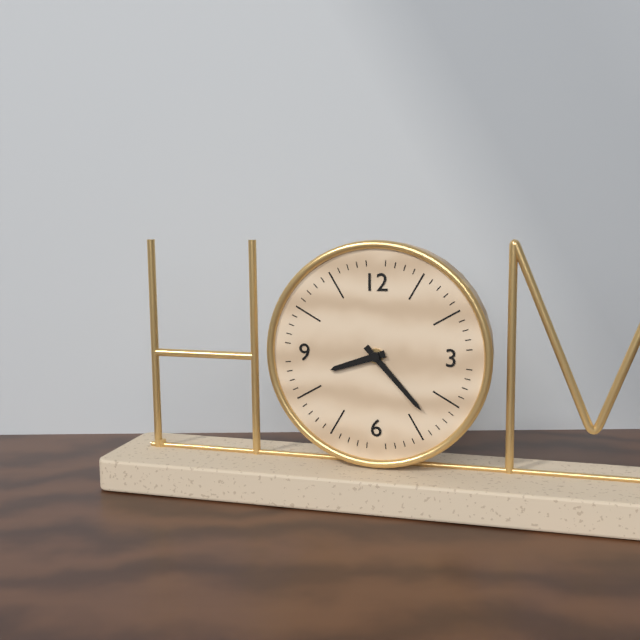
**8:23**
